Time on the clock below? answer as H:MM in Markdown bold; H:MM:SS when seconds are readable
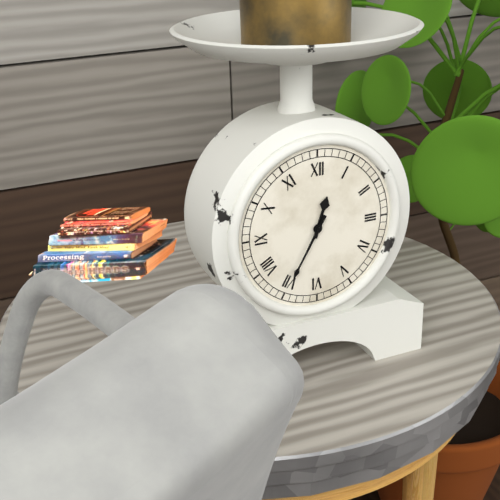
**12:35**
